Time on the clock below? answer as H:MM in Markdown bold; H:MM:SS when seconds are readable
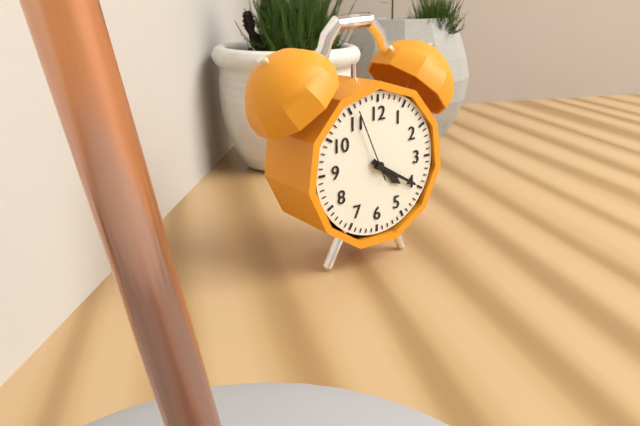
**4:20:56**
